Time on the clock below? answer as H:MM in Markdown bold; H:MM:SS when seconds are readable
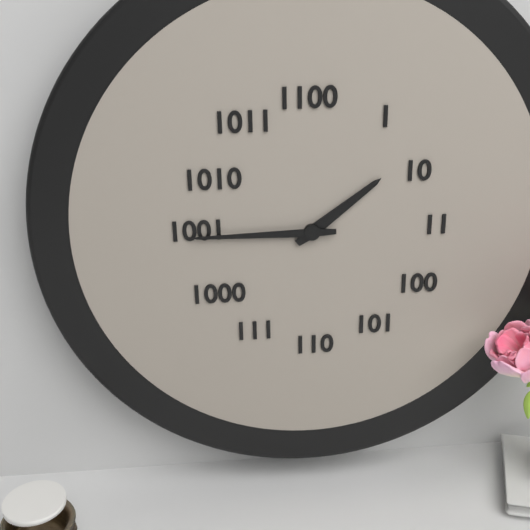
**1:45**
